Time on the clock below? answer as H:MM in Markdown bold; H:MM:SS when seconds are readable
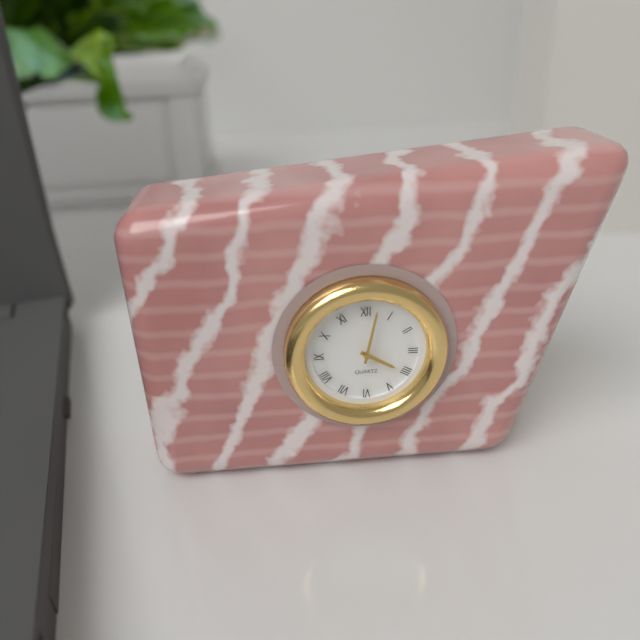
**4:02**
